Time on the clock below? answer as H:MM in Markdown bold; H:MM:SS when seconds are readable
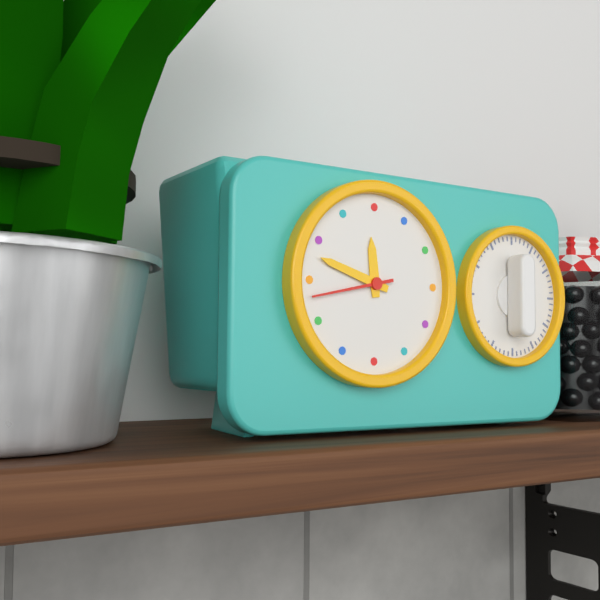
**11:48:43**
